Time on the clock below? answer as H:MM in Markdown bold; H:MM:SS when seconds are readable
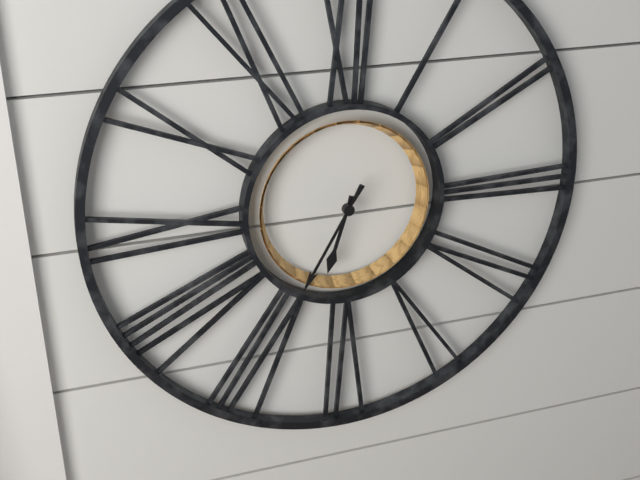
**6:35**
